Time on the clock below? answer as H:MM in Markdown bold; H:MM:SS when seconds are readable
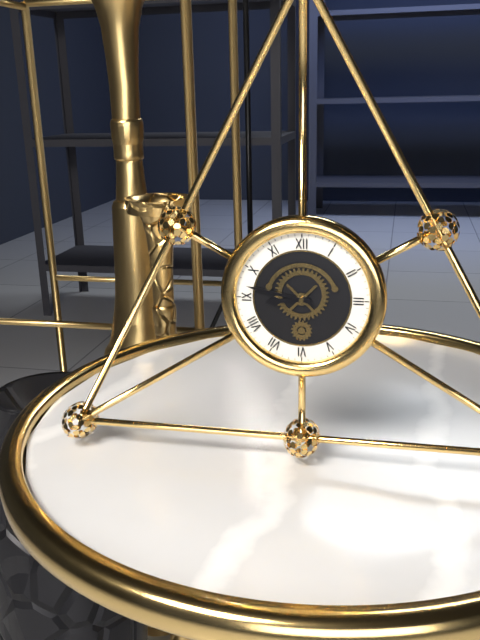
**8:47**
